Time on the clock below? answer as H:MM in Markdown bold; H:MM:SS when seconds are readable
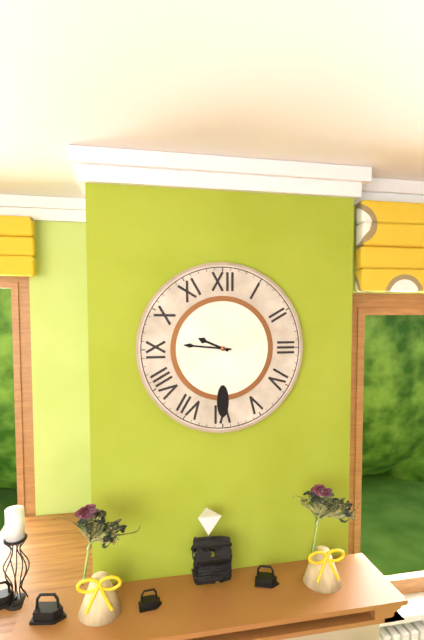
**9:46**
